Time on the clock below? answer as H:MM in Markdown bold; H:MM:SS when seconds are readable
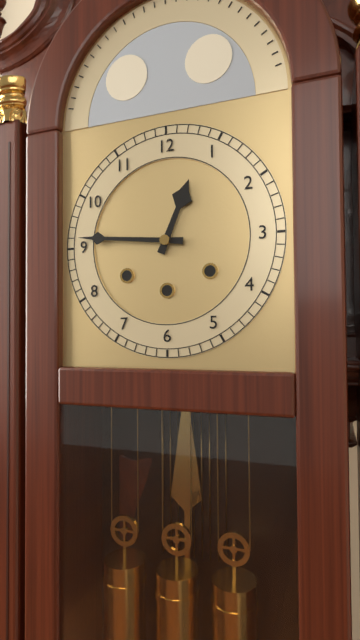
**12:46**
